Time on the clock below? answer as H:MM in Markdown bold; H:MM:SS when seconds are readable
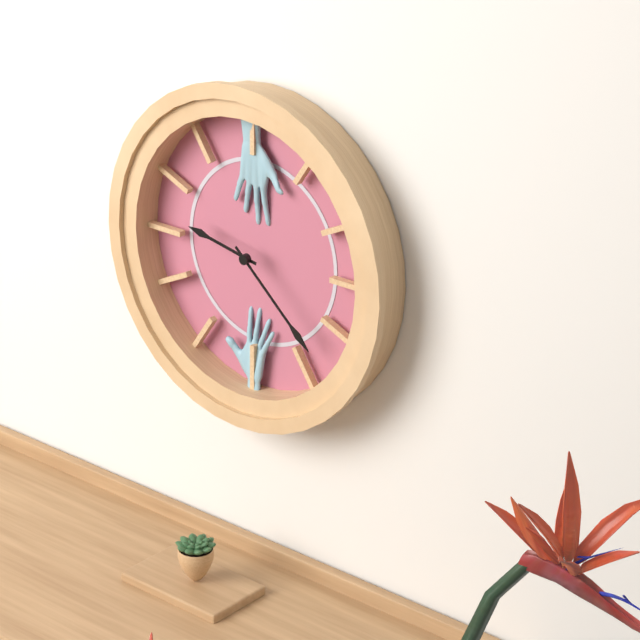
**9:22**
